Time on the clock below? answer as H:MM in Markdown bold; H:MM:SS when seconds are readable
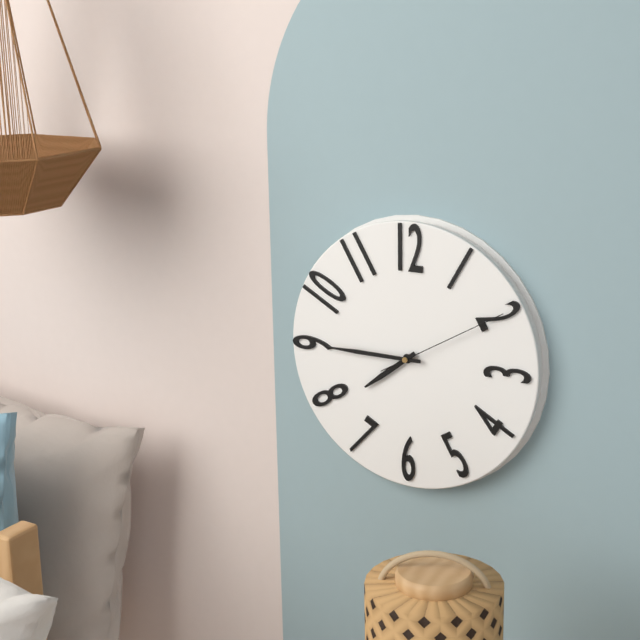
**7:45:10**
